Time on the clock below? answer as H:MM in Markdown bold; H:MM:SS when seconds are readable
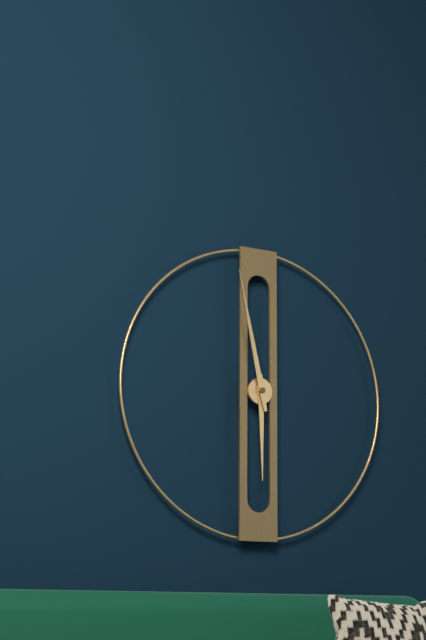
**5:58**
